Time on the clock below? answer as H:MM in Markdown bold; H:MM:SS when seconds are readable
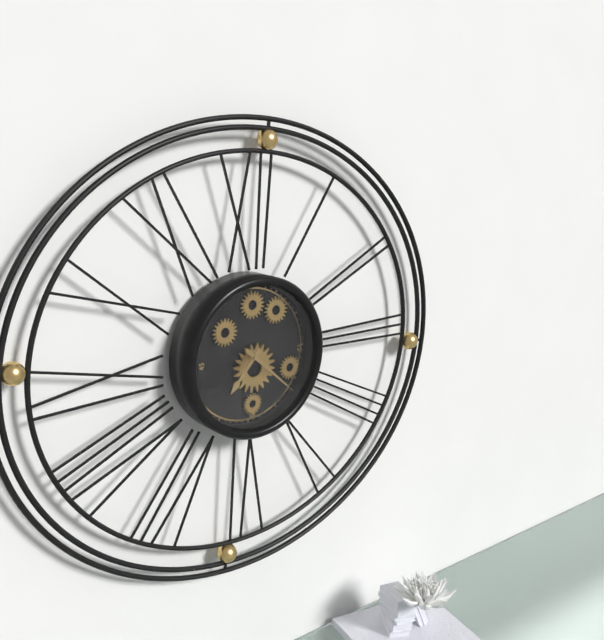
**7:22**
